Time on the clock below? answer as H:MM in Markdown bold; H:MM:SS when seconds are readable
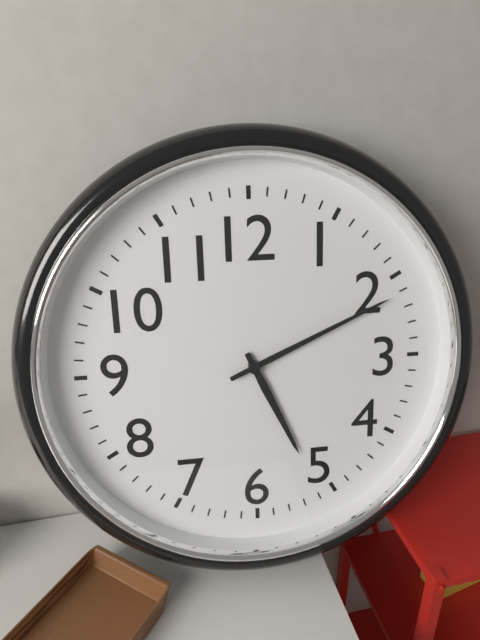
**5:11**
